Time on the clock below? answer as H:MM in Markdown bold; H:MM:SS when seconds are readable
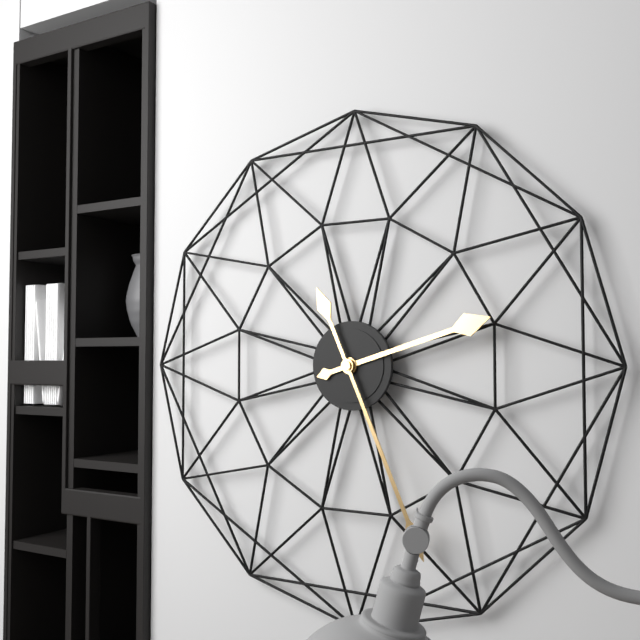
**2:26**
